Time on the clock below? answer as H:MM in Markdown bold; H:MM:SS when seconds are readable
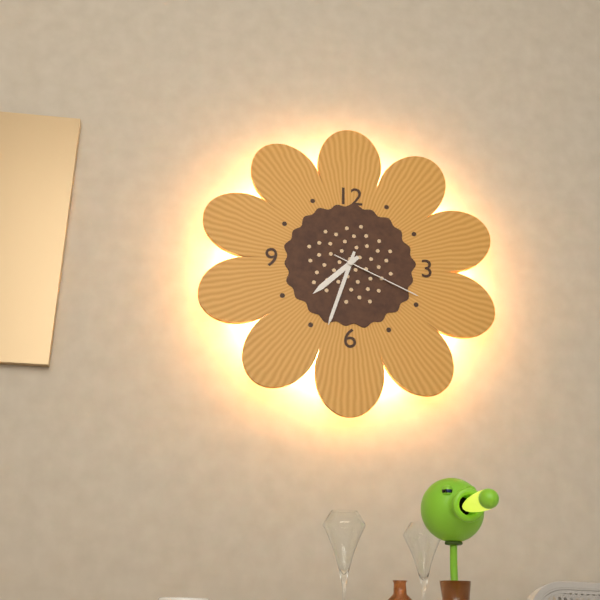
**7:33:19**
